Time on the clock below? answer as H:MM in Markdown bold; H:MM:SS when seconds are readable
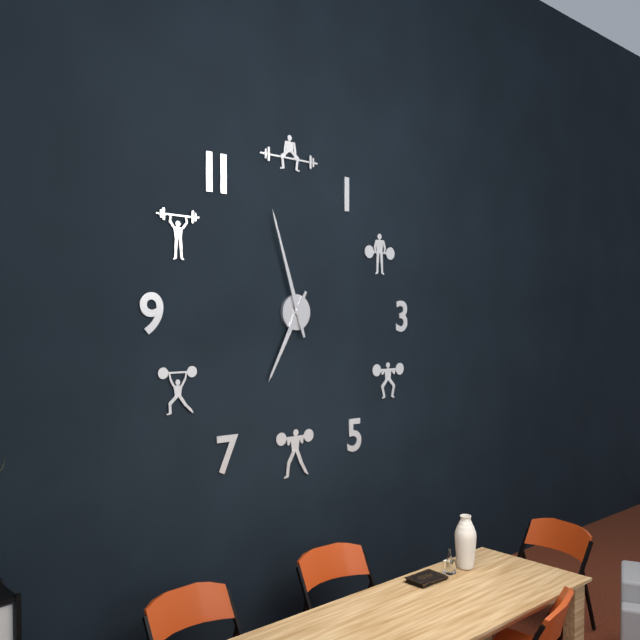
**6:57**
